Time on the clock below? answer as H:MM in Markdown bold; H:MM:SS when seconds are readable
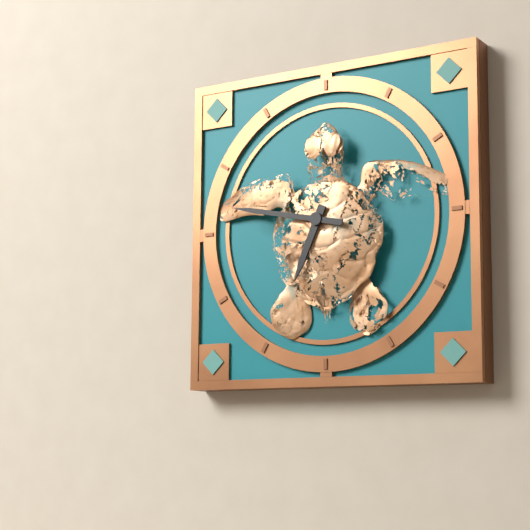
**6:47**
